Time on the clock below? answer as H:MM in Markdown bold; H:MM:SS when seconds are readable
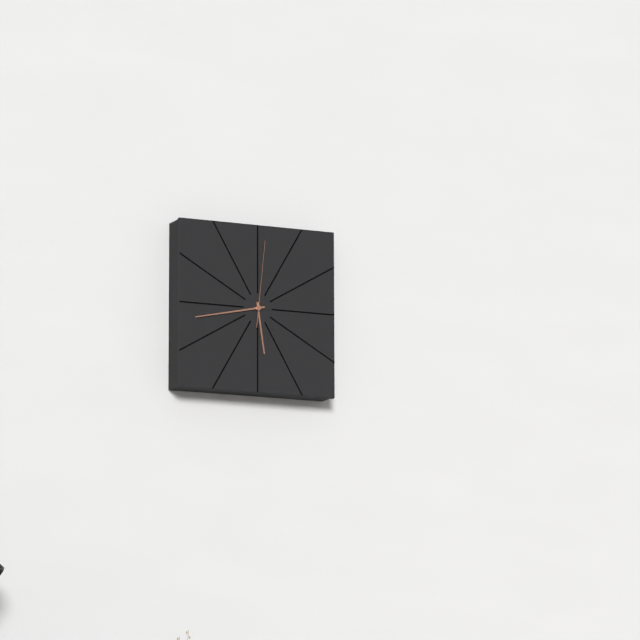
**5:43:01**
